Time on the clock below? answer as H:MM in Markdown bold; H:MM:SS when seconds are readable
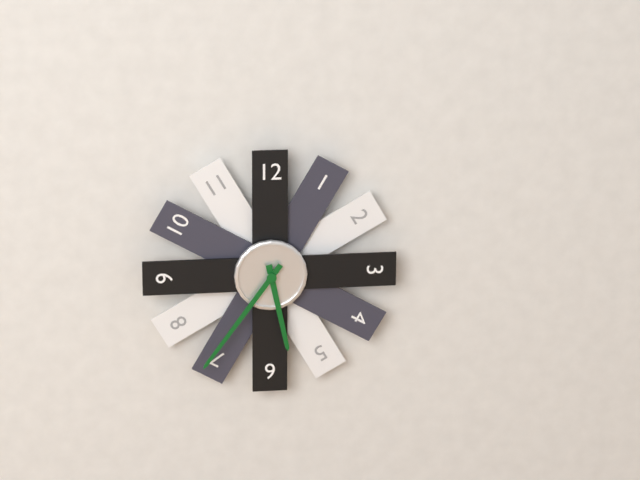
**5:36**
